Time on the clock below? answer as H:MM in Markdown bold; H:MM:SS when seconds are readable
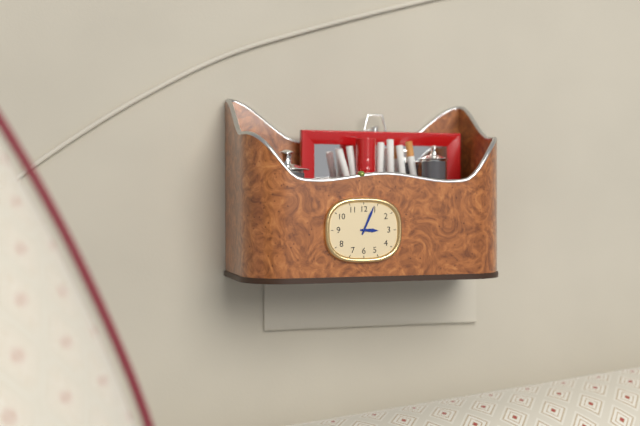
**3:04**
